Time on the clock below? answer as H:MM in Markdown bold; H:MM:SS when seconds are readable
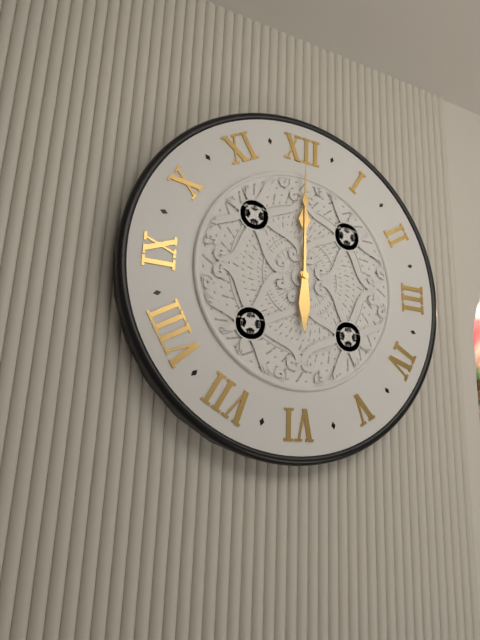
**12:00**
